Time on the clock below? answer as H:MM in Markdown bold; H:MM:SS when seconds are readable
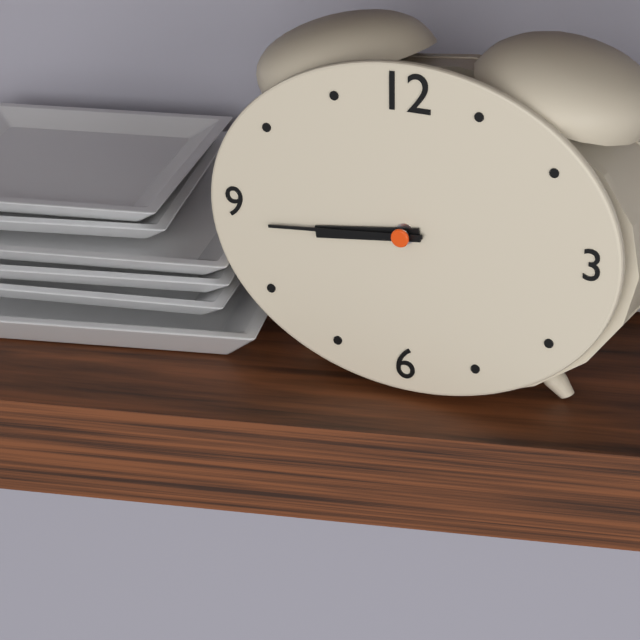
**8:44**
